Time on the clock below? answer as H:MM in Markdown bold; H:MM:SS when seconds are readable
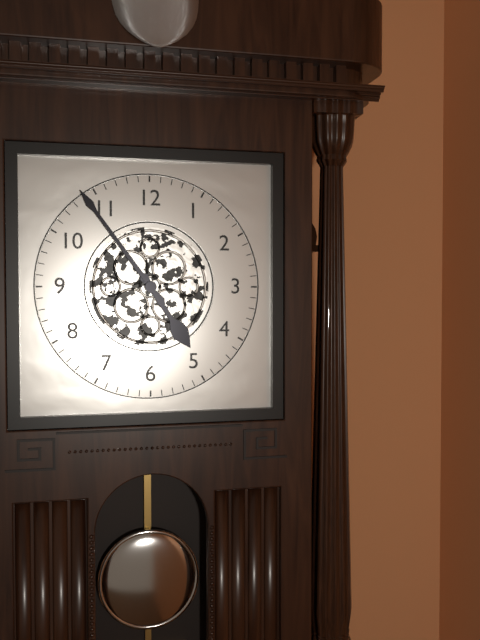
**4:54**
